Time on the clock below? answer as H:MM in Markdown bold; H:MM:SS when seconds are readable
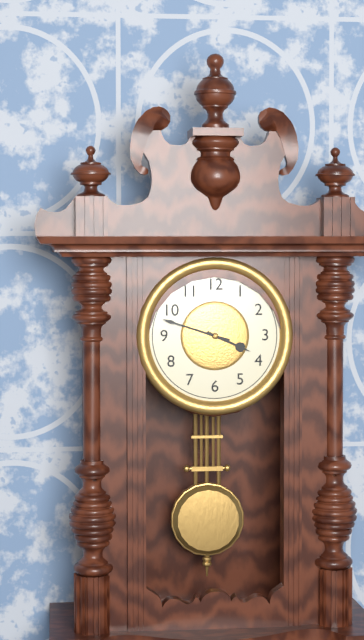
**3:48**
